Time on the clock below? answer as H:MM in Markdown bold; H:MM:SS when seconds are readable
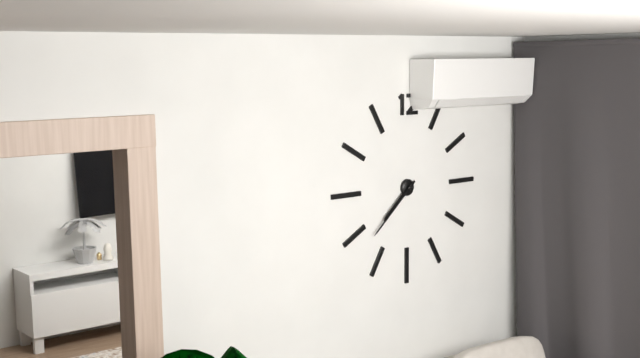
**7:38**
